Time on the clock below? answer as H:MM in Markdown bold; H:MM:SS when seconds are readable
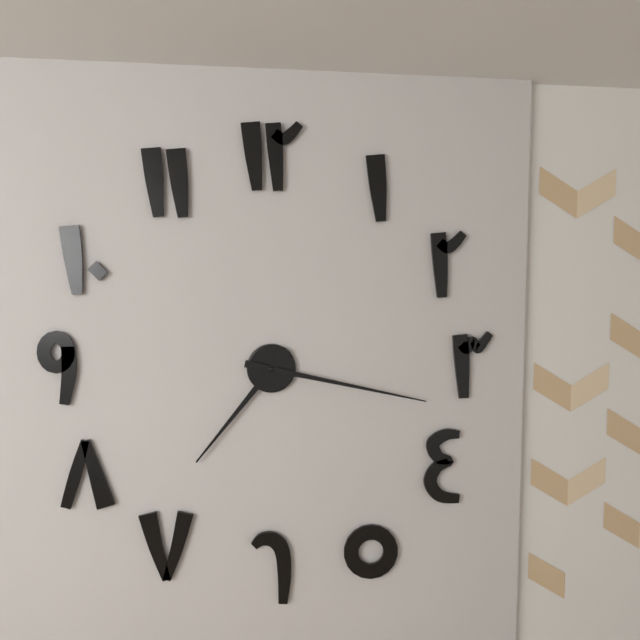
**7:17**
